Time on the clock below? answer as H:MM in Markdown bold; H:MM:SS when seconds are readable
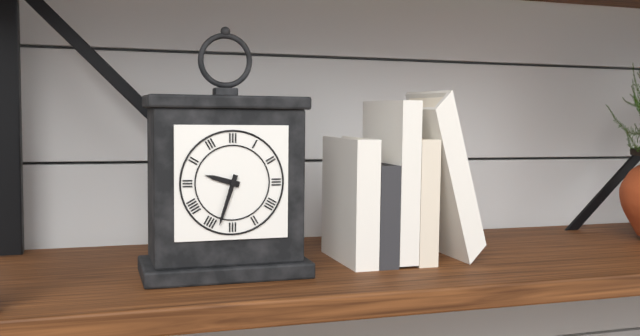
**9:33**
